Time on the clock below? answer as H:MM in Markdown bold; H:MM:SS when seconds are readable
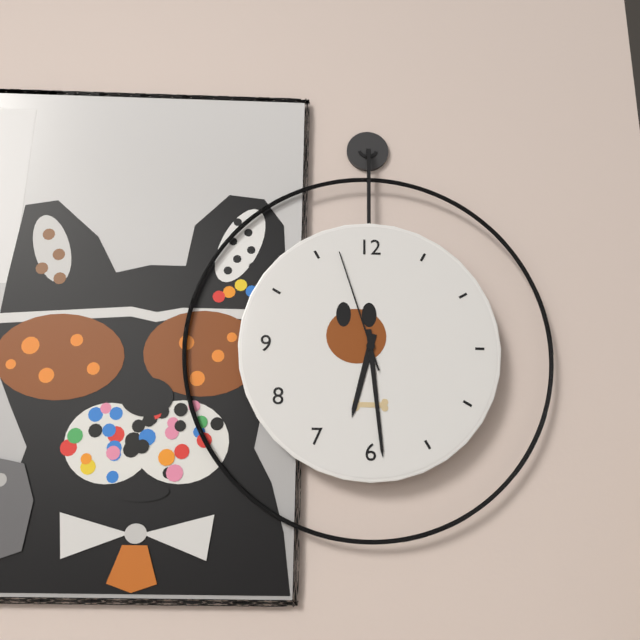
**6:29:57**
